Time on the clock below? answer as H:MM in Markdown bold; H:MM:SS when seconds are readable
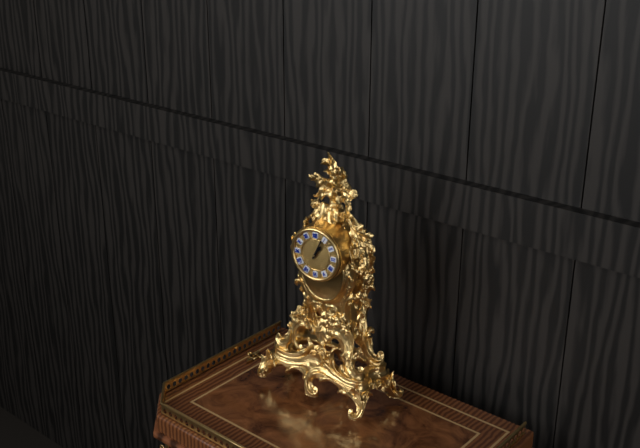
**1:04**
